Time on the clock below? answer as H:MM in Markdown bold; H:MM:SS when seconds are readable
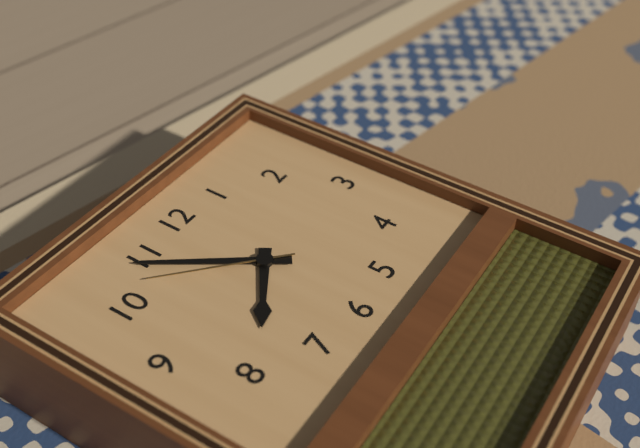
**7:54:52**
